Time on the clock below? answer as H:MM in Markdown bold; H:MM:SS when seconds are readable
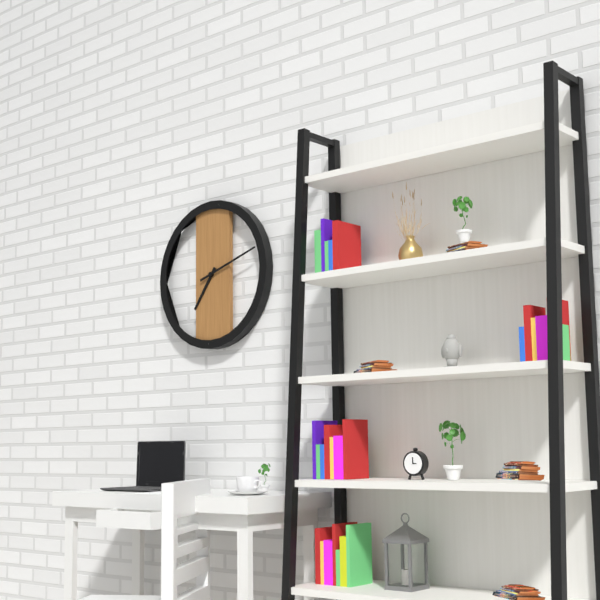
**7:12**
